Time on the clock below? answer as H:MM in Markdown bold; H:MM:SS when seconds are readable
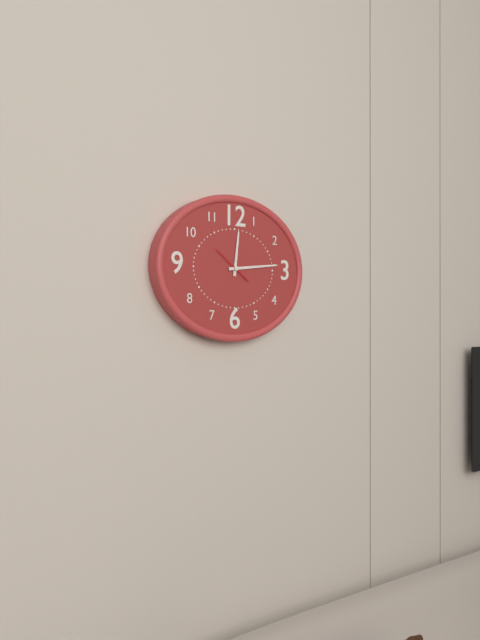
**12:14**
